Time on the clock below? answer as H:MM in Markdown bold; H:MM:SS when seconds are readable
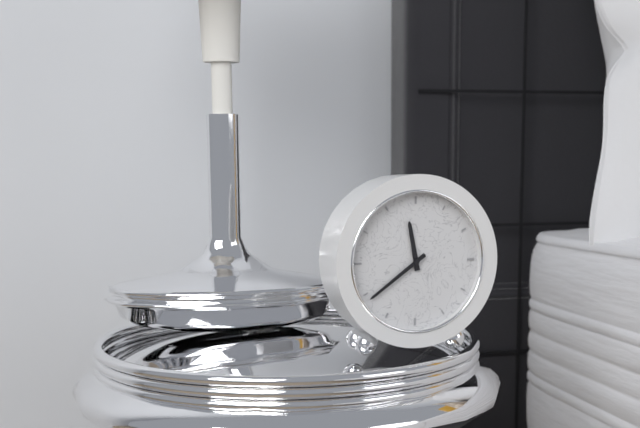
**11:39**
